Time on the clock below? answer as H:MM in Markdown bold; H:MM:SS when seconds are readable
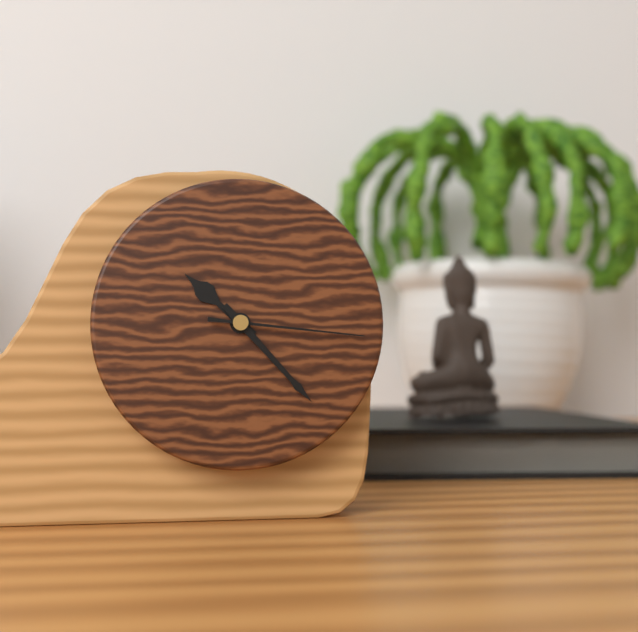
**10:23:16**
